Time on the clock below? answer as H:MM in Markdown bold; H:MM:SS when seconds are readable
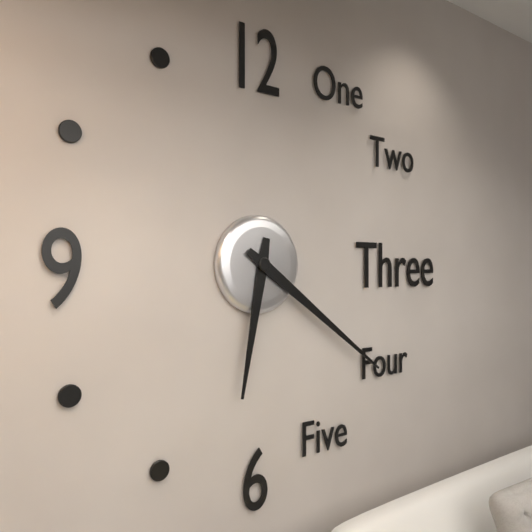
**6:21**
